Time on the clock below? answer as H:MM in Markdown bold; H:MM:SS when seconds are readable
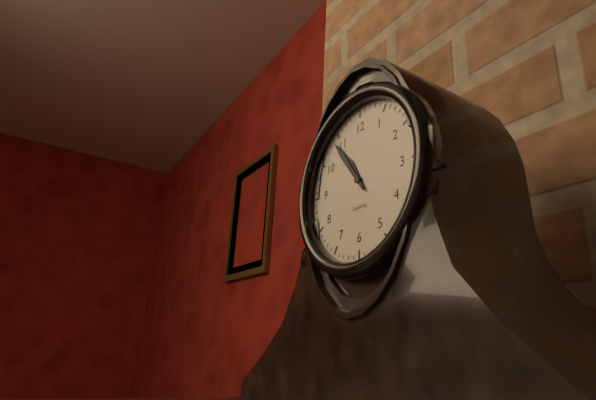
**10:54**
